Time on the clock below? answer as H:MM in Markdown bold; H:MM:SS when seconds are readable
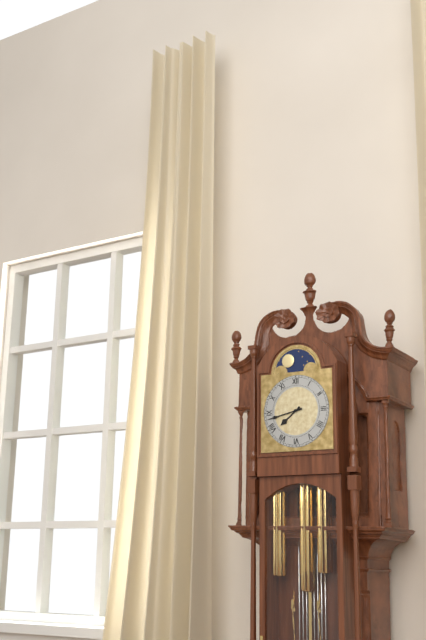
**7:43**
